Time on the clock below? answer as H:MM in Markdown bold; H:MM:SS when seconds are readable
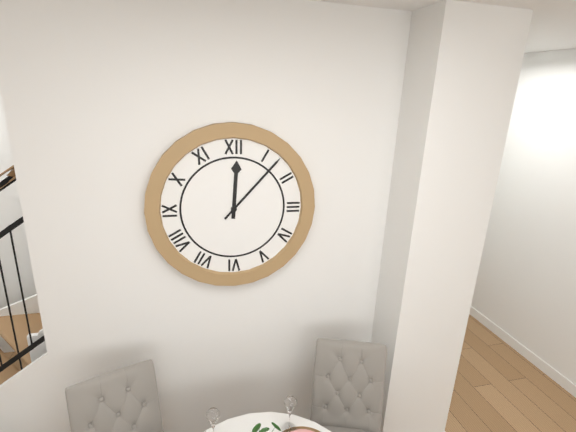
**12:07**
